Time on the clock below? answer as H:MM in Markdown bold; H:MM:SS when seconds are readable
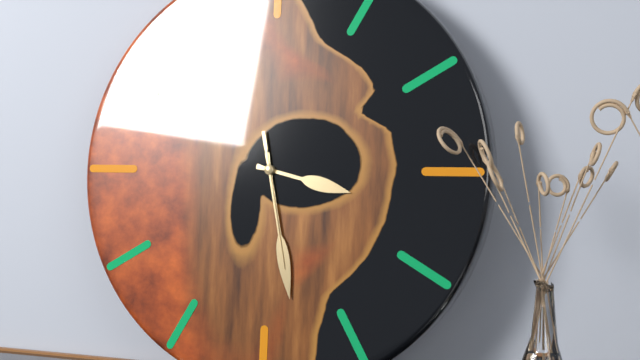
**3:28:28**
